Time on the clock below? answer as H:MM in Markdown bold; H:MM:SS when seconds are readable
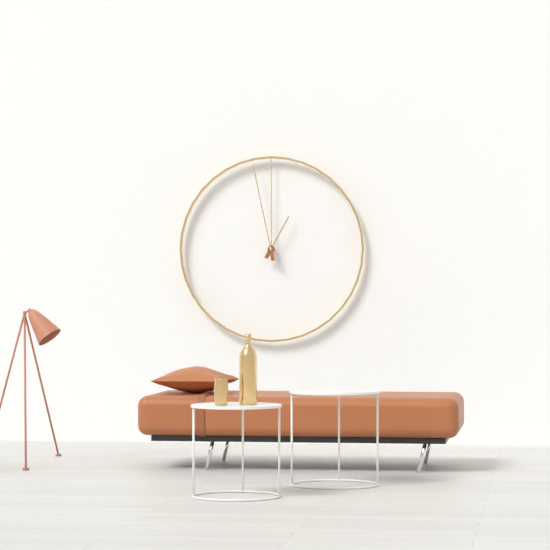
**12:58**
